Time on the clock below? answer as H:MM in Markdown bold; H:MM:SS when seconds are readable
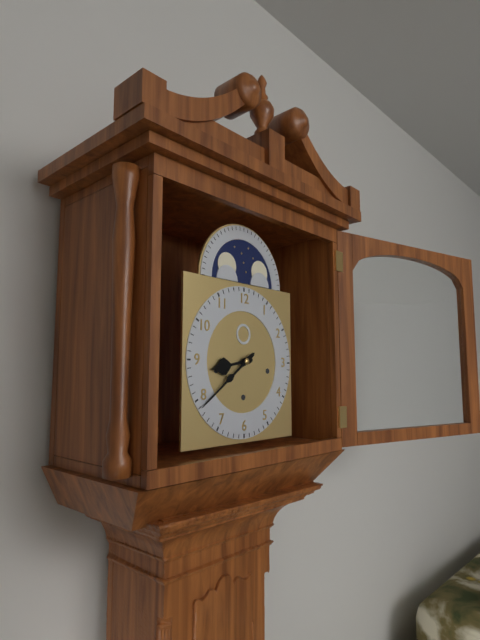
**8:39**
